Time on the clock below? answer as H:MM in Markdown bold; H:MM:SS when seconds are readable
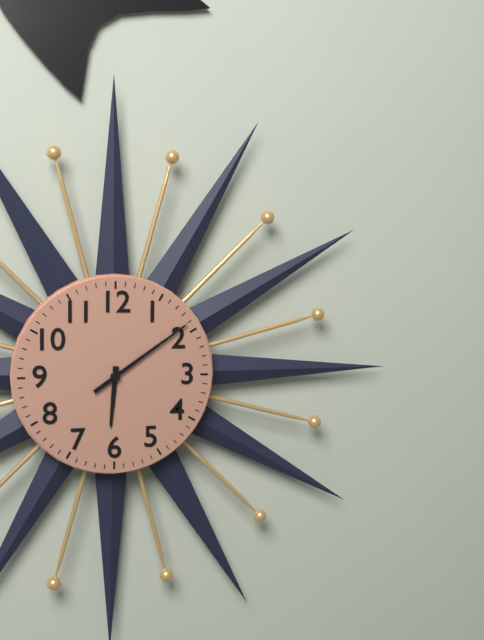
**6:09**
